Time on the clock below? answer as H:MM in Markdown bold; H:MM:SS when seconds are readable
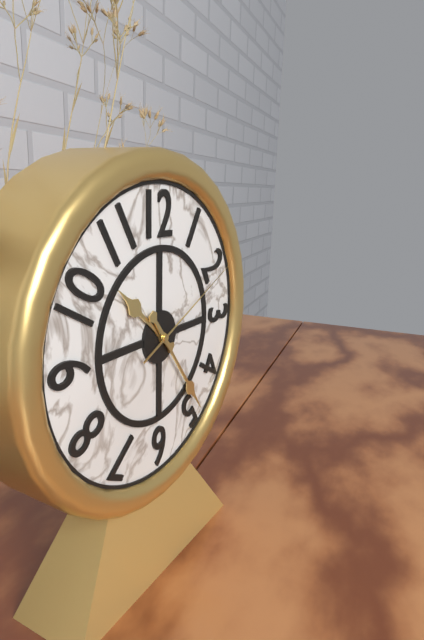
**10:24:11**
